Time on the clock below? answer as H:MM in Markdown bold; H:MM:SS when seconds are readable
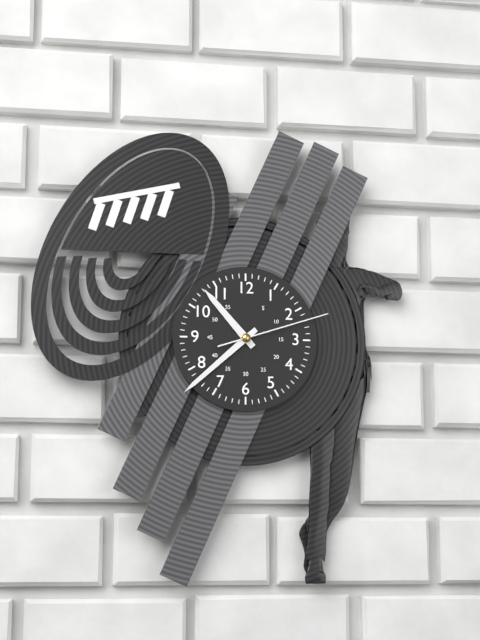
**10:38:12**
